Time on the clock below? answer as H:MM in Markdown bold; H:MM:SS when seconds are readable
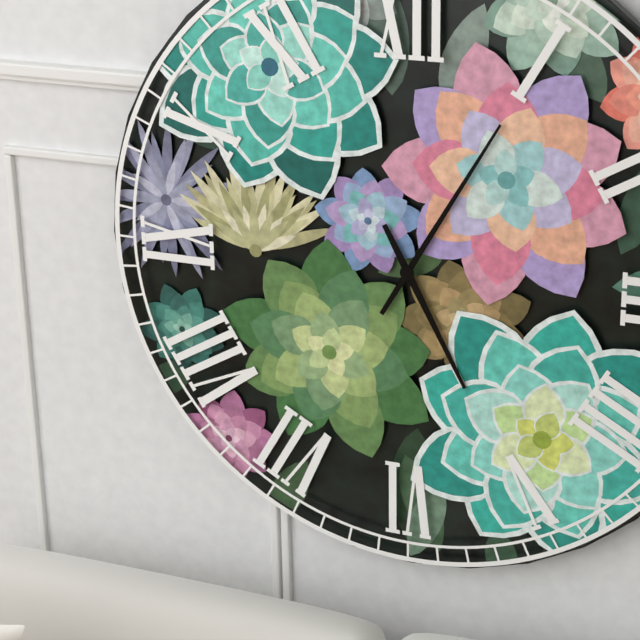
**5:05**
